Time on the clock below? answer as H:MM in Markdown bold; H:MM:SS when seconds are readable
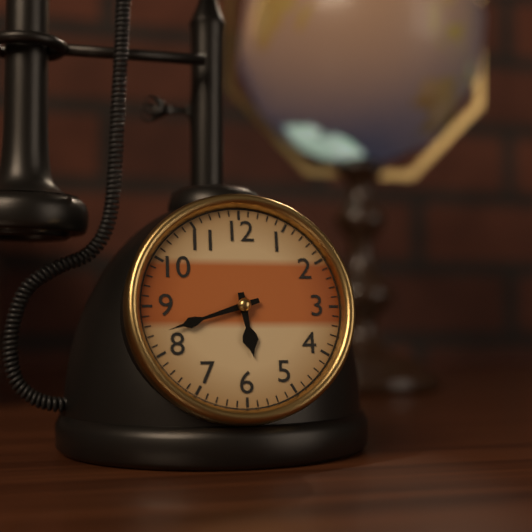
**5:42**
